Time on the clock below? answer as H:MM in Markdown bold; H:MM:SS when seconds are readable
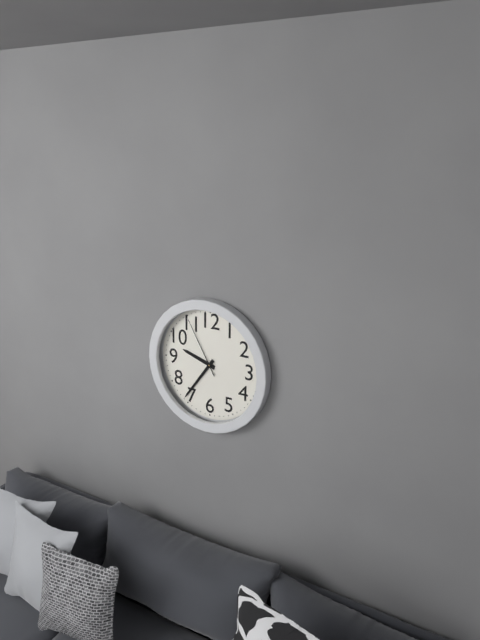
**9:36:55**
